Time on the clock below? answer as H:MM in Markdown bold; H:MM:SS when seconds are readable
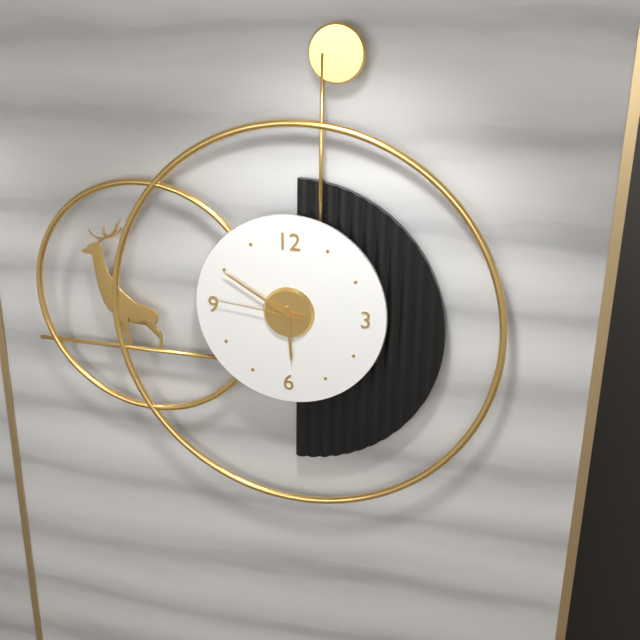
**5:50:46**
